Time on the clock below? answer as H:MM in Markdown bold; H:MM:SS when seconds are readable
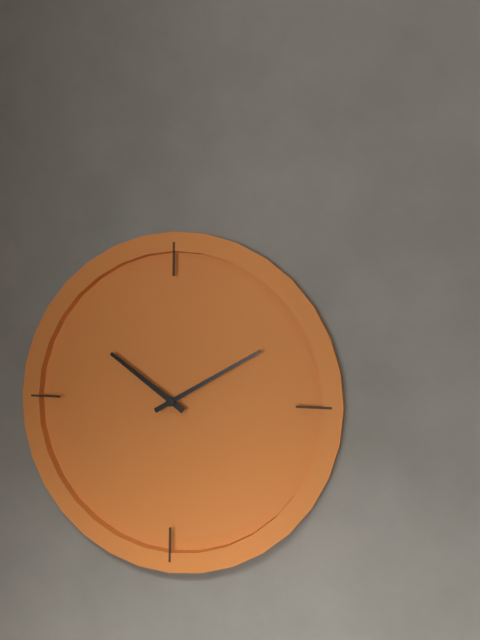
**10:10**
